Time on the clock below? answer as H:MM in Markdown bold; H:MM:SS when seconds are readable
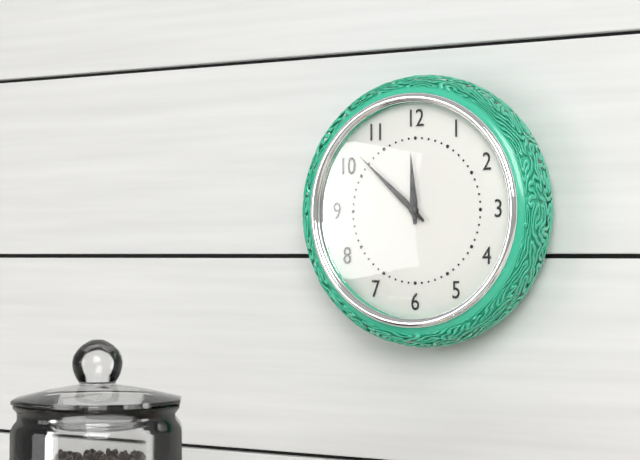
**11:52**
